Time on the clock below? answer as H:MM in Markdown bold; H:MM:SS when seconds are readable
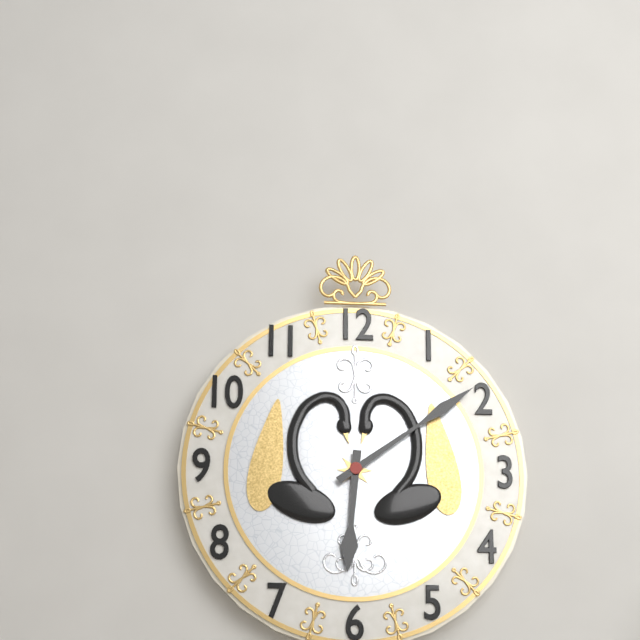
**6:09**
